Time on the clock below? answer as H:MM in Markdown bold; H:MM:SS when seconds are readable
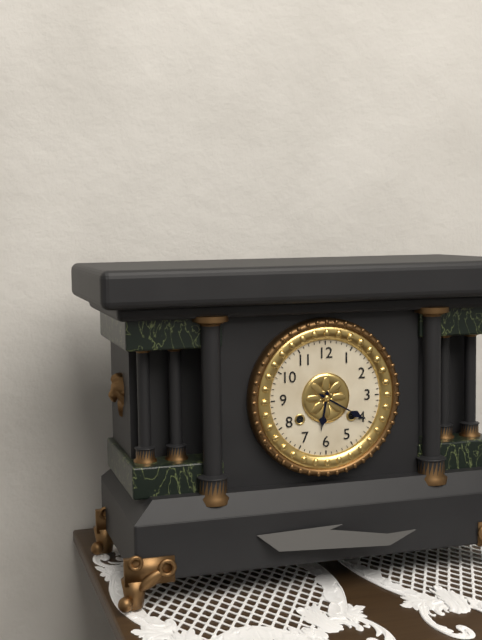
**6:20**
